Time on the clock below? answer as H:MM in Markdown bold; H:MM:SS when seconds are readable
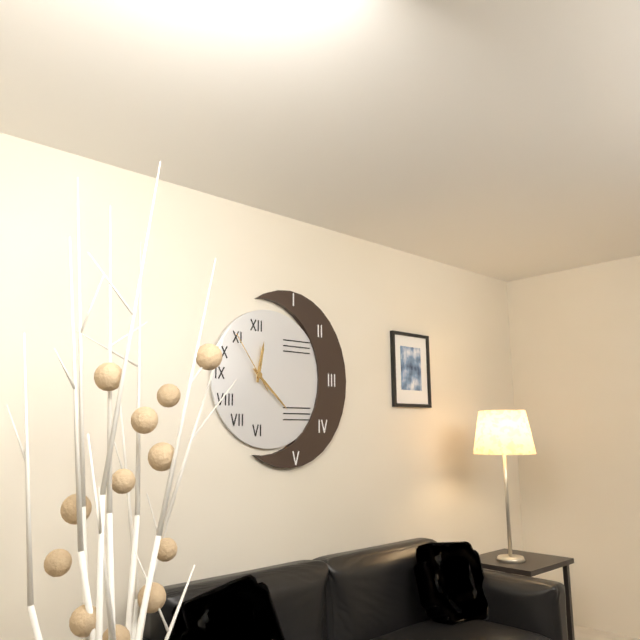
**12:22:54**
